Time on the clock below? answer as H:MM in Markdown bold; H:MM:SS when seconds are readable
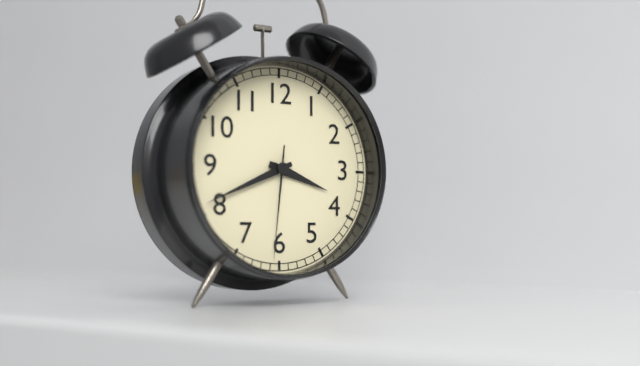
**3:41:31**
